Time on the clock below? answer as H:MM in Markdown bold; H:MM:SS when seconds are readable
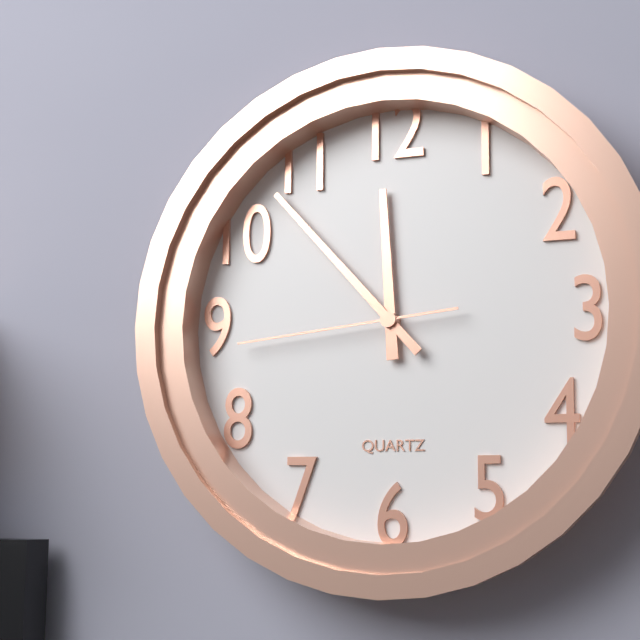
**11:53:44**
